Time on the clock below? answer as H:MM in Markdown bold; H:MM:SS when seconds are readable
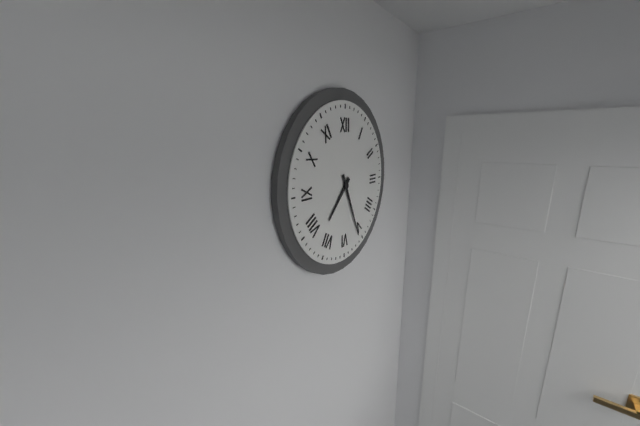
**7:26**
